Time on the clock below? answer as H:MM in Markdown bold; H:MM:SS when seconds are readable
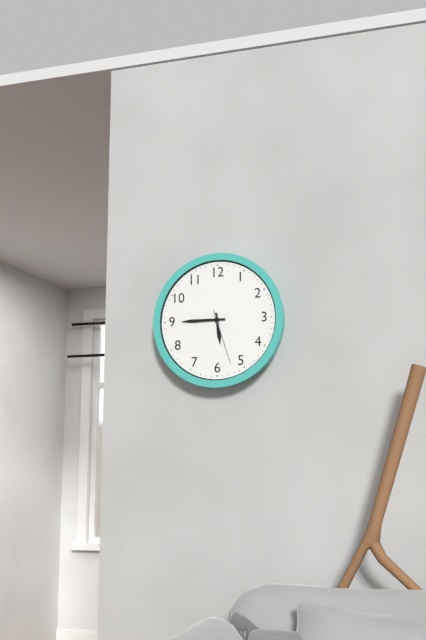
**5:45:27**
